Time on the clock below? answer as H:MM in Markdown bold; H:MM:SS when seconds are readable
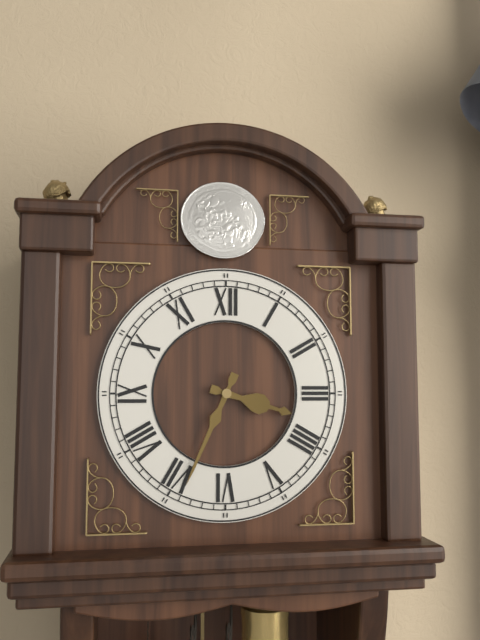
**3:34**
